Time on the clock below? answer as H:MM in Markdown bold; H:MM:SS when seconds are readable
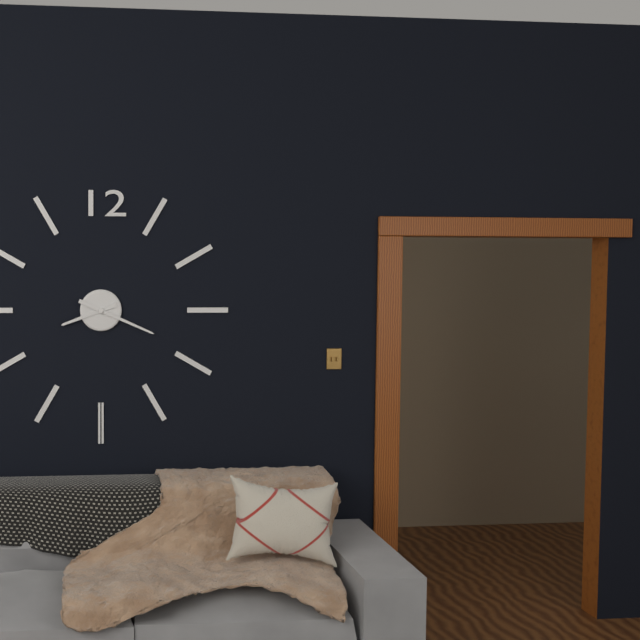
**8:19**
